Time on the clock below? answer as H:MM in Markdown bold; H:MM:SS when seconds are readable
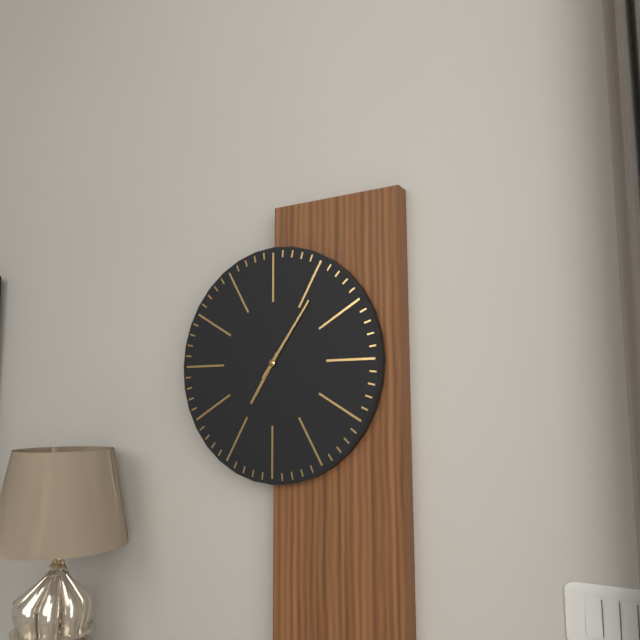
**7:06**
